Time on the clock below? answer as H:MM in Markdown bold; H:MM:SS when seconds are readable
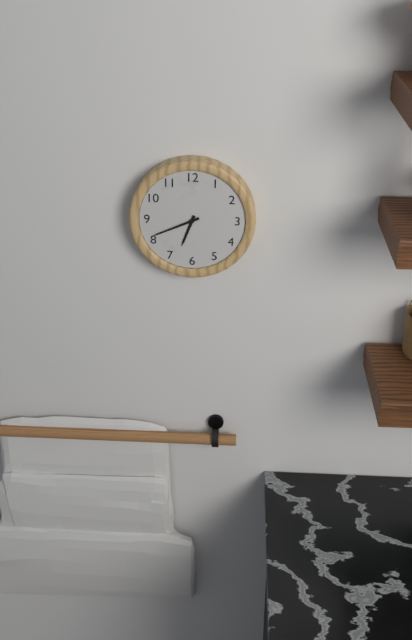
**6:41**
